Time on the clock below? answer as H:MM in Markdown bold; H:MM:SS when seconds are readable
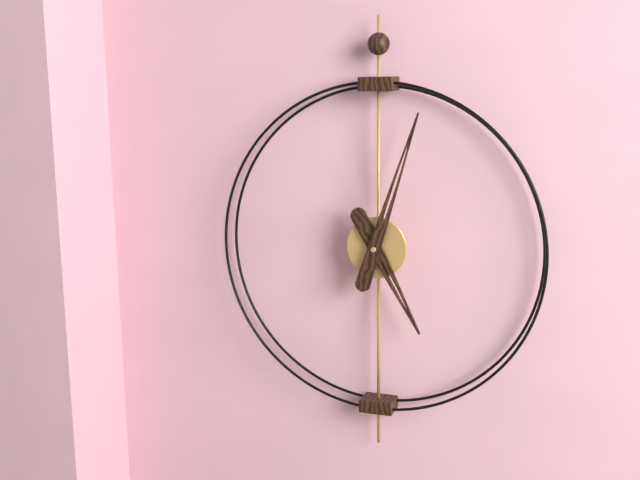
**5:03**
